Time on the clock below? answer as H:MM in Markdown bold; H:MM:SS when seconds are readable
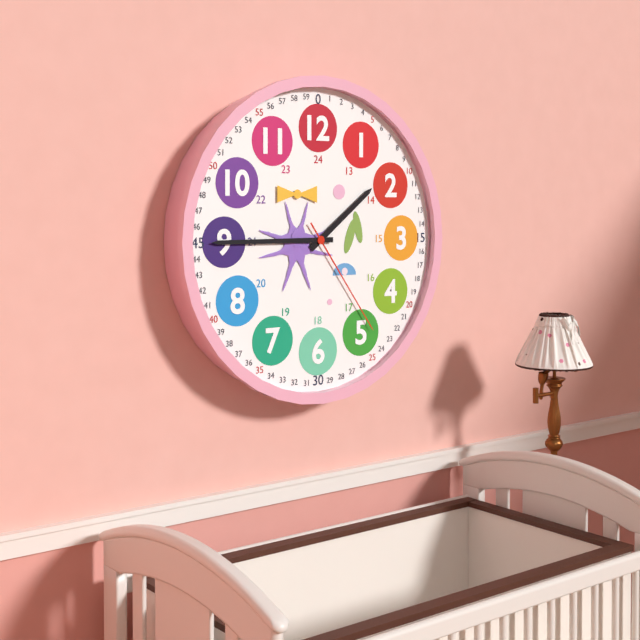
**1:45:24**
